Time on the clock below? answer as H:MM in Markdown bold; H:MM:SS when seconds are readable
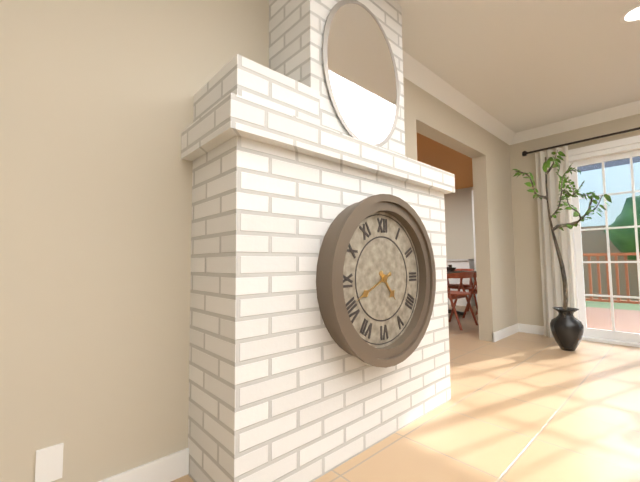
**4:41**
